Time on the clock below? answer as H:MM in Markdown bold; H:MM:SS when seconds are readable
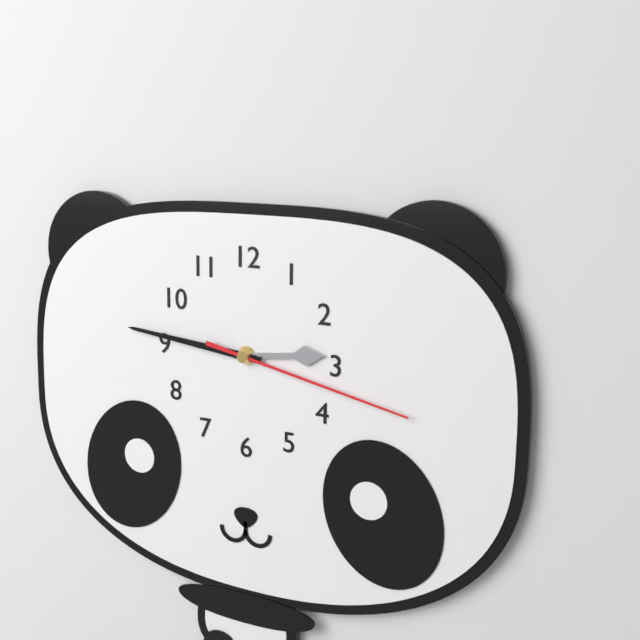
**2:46:17**
